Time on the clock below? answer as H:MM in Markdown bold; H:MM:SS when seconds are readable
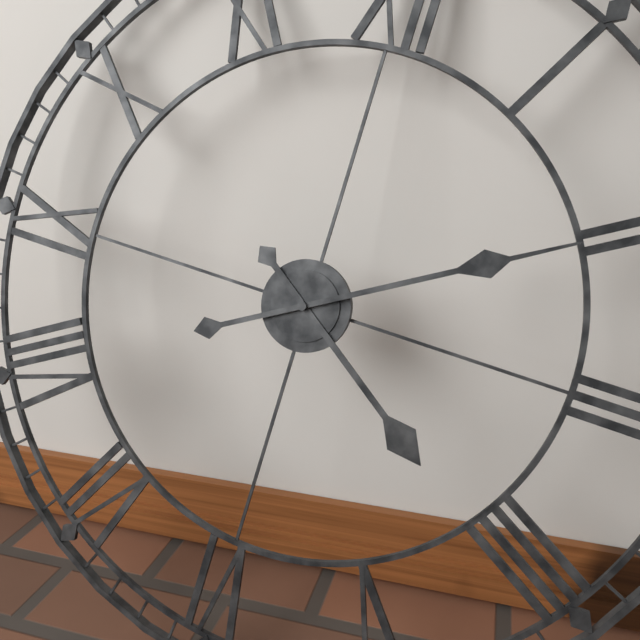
**4:10**
